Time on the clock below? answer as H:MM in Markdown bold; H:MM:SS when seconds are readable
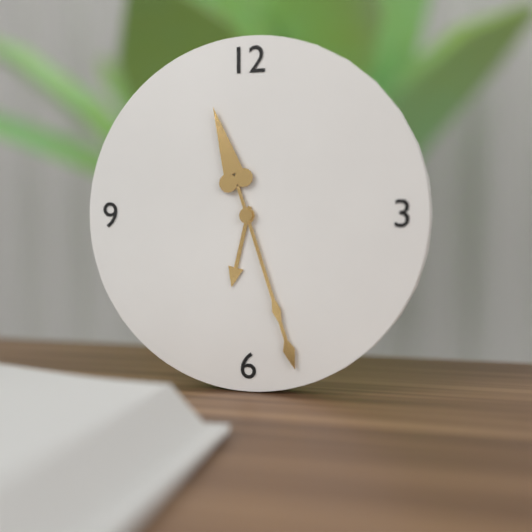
**6:27**
